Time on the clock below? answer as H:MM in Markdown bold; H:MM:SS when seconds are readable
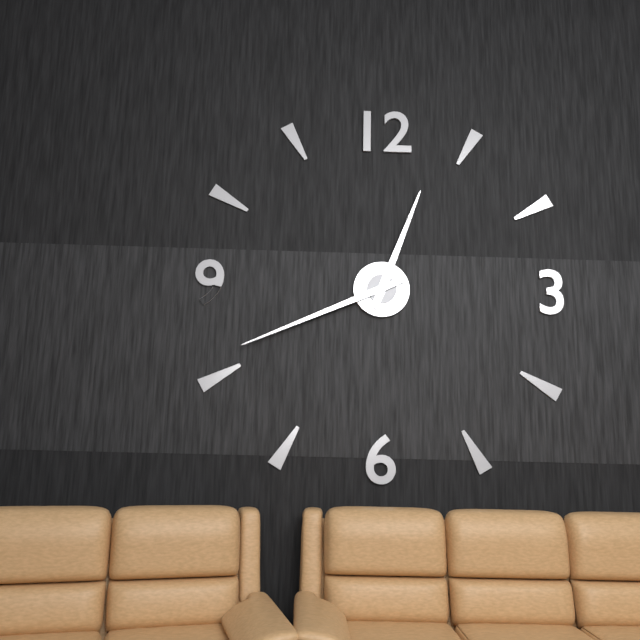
**12:41**
